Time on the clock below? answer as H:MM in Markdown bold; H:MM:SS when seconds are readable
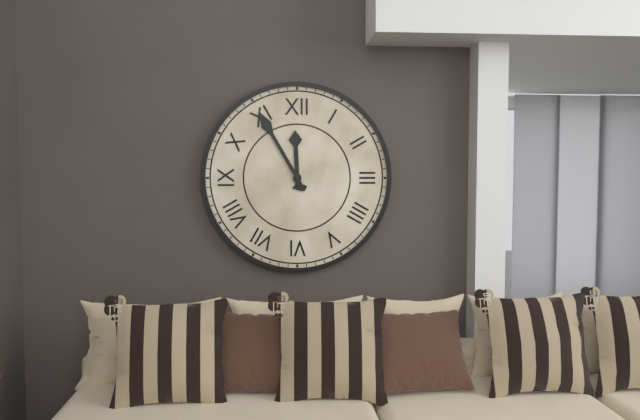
**11:55**
